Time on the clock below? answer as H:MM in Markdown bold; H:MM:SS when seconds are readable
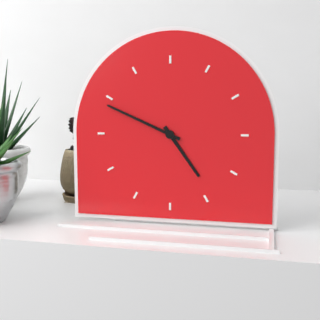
**4:49**
